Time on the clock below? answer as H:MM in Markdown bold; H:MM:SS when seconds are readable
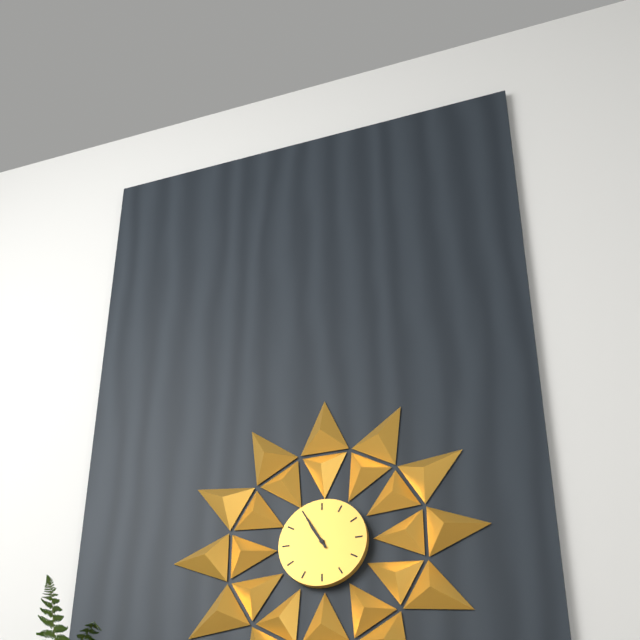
**10:55**
